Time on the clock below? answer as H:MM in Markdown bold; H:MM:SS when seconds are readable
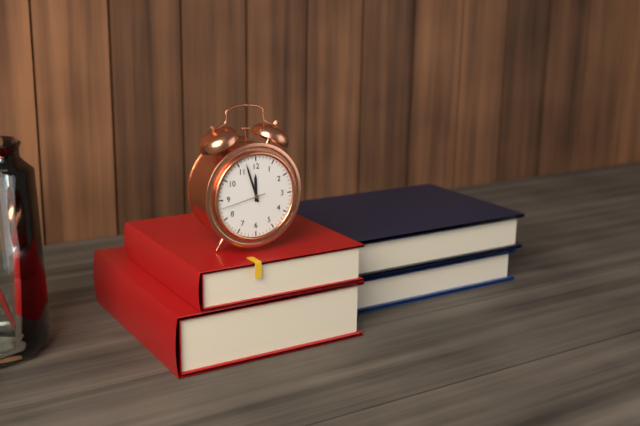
**11:57**
